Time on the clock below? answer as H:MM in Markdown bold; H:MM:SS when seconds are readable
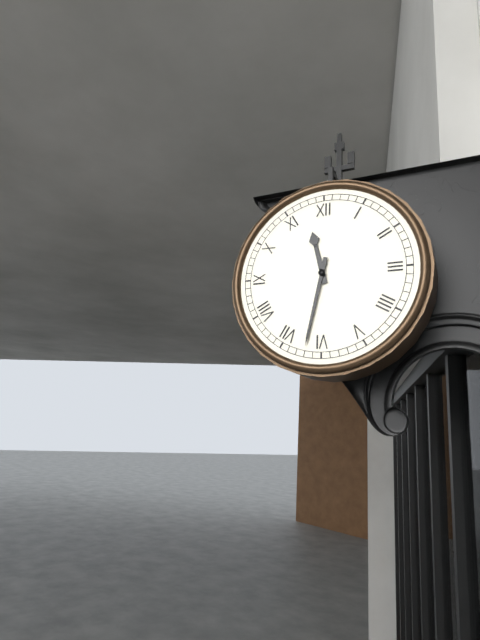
**11:32**
